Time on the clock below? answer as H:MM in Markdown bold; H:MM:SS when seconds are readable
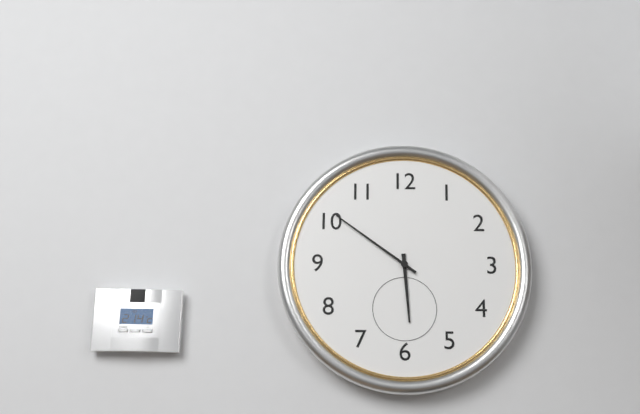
**5:51**
